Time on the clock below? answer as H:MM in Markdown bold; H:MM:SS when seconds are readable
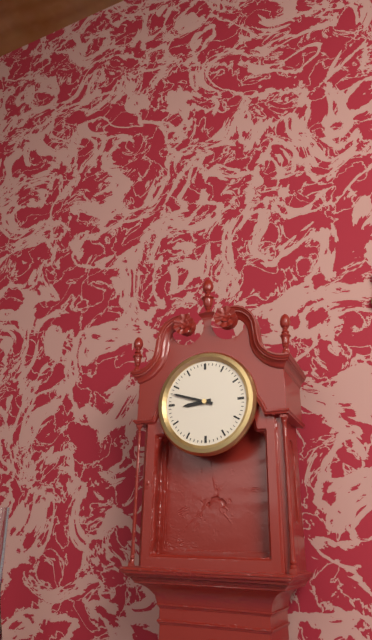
**8:48**
